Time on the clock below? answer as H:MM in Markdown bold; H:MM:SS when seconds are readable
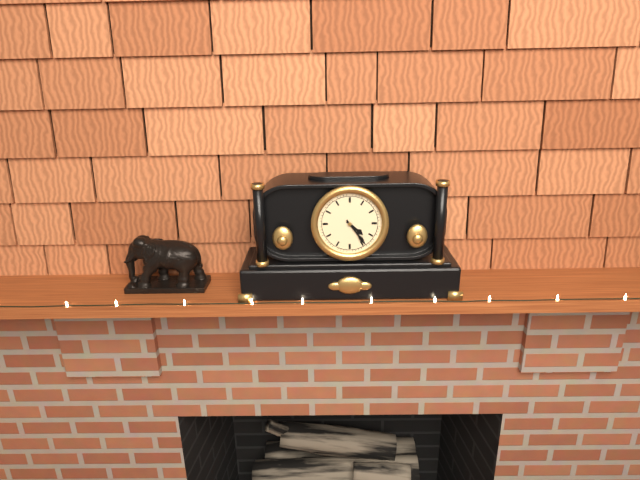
**4:24**
